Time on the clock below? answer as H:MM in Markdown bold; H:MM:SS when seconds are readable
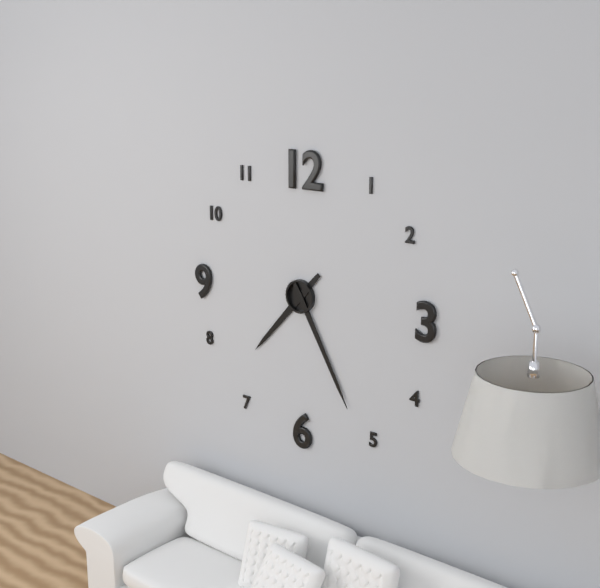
**7:25**
